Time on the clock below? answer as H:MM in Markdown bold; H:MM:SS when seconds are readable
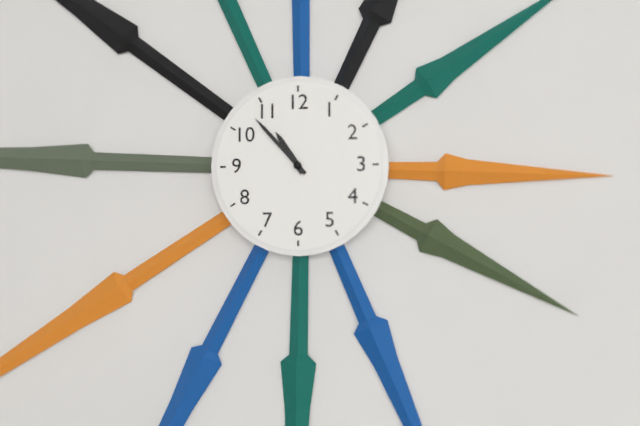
**10:53**
